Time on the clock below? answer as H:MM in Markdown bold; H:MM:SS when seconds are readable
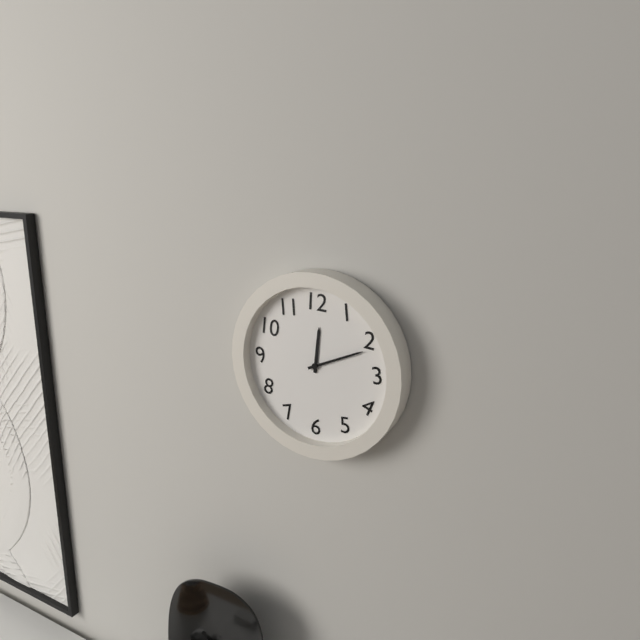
**12:11**
